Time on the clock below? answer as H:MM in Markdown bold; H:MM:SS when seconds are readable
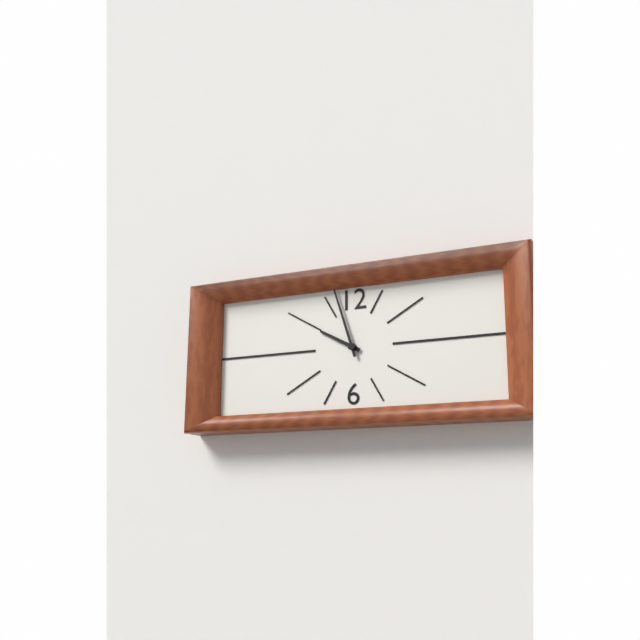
**9:57**
